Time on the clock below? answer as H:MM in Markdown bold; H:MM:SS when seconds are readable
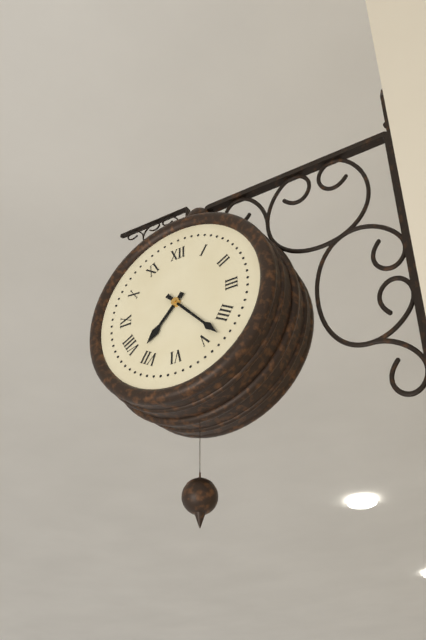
**7:23**
